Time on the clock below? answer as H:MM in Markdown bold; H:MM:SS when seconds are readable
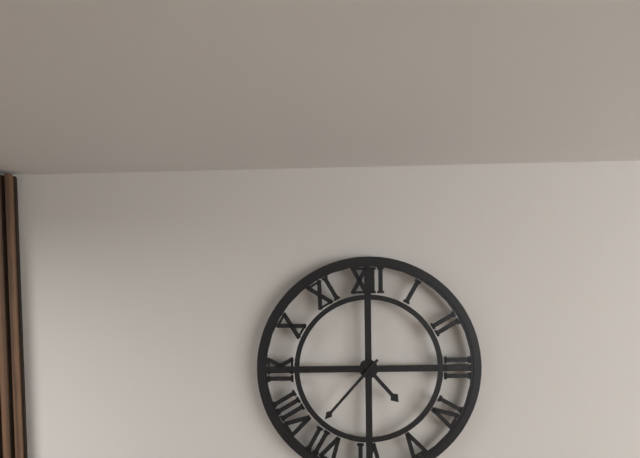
**4:37**
